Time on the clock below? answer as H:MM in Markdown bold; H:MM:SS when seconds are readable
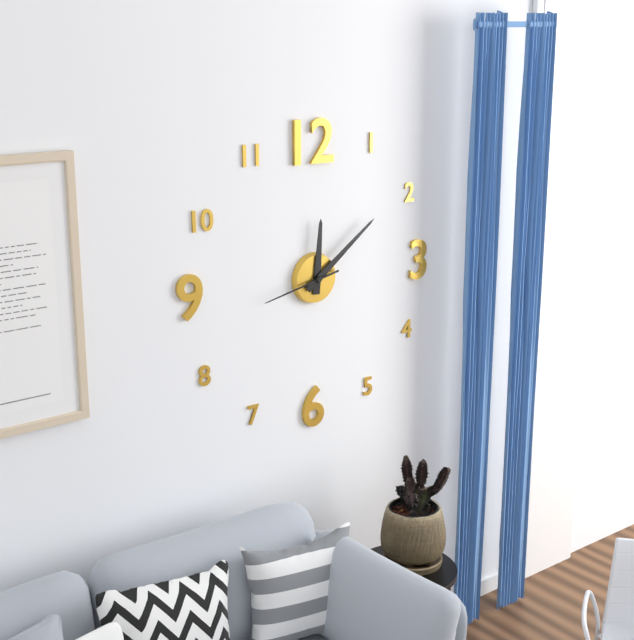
**12:09:43**
